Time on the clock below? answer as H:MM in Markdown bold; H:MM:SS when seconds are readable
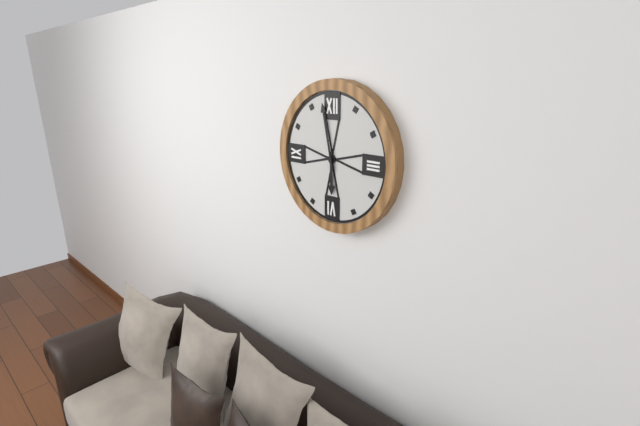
**5:58**
